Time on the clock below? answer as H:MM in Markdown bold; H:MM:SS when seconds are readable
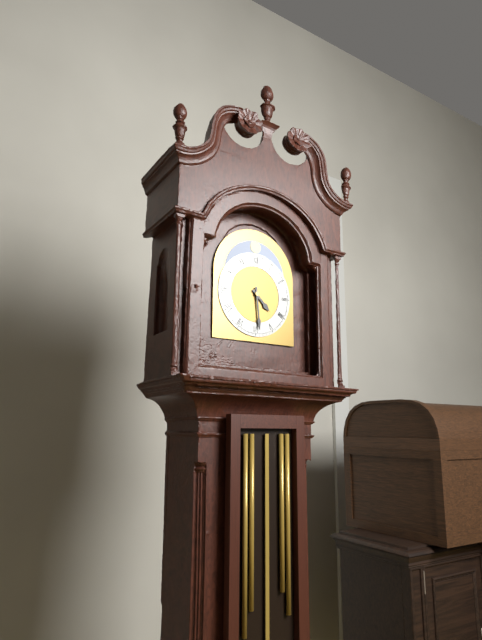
**4:29**
